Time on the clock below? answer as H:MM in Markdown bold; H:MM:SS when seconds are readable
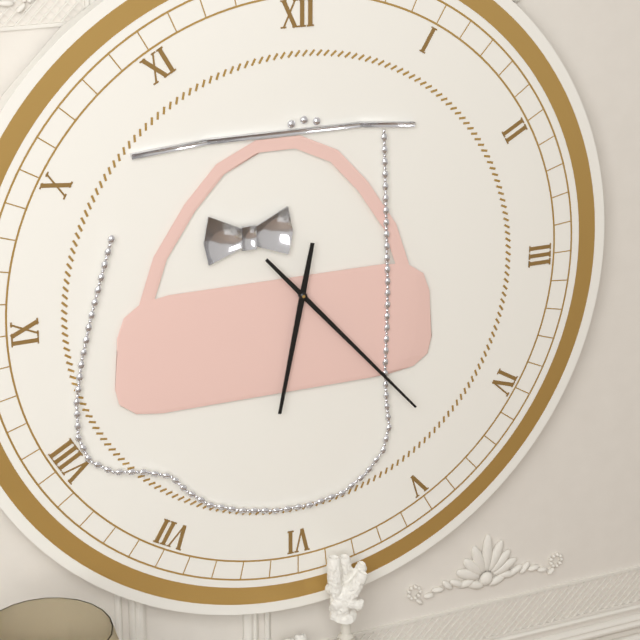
**6:23**
